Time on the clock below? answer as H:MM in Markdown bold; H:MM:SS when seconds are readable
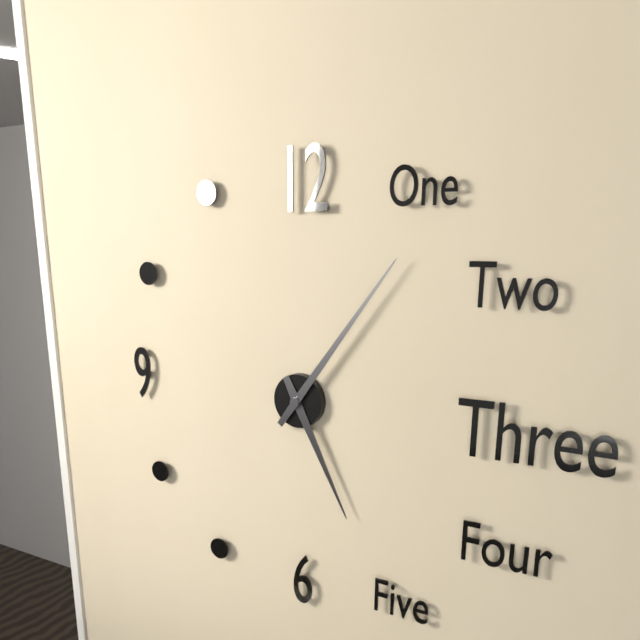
**5:06**
